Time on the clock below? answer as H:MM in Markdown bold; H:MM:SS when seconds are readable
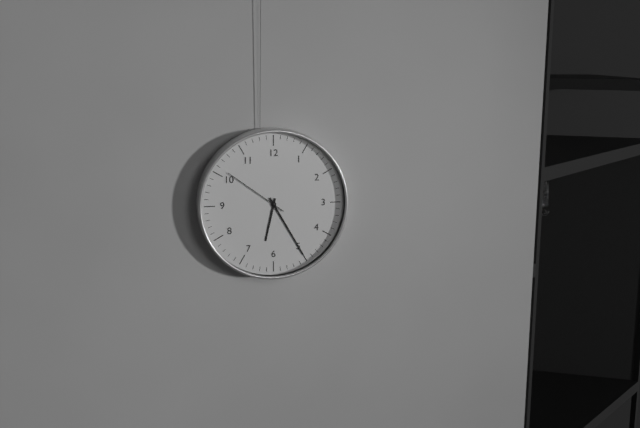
**6:25:51**
